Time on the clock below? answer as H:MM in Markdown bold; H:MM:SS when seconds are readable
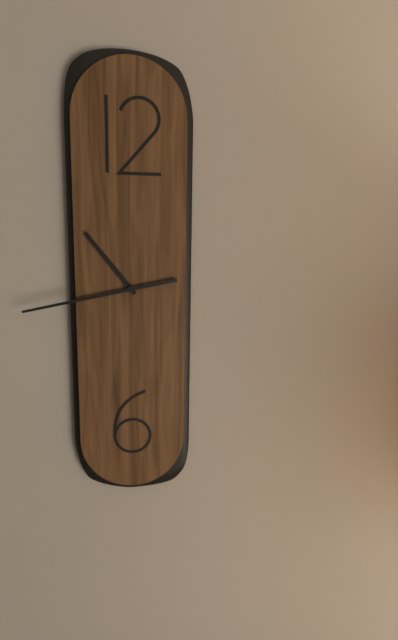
**10:43**
